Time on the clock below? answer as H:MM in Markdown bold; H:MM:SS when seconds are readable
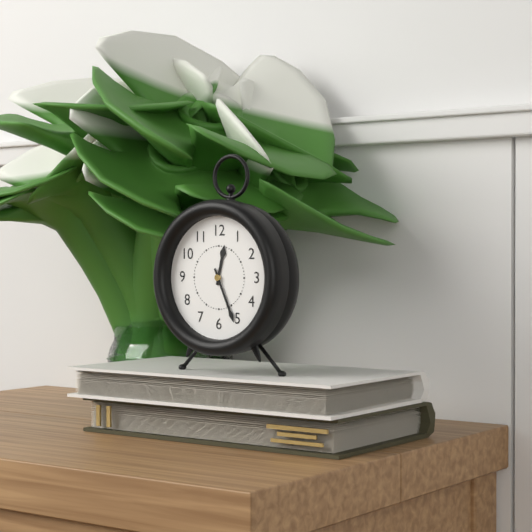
**12:26**
